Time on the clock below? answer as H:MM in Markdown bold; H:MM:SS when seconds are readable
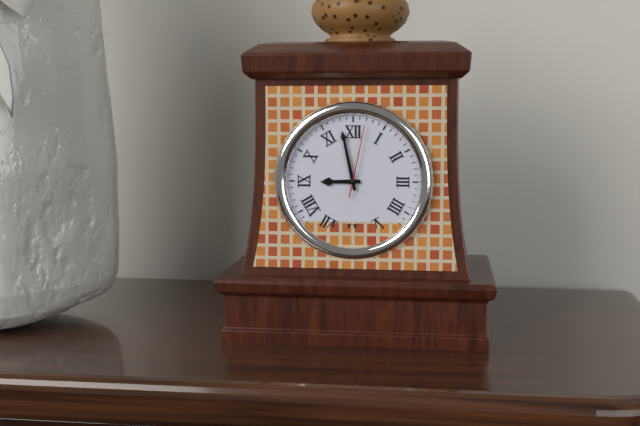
**8:58:02**
